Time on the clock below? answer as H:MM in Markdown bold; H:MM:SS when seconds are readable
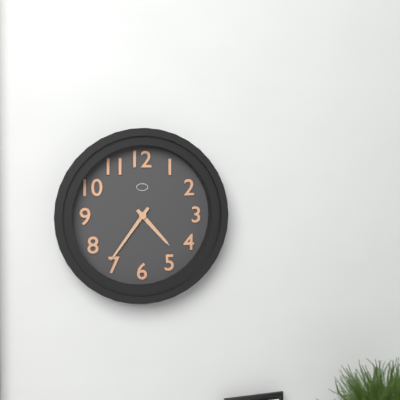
**4:36**
